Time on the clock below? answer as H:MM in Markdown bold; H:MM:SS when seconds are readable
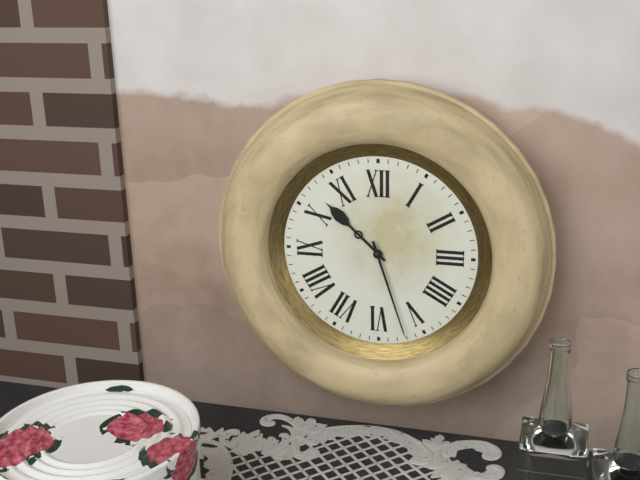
**10:27**
